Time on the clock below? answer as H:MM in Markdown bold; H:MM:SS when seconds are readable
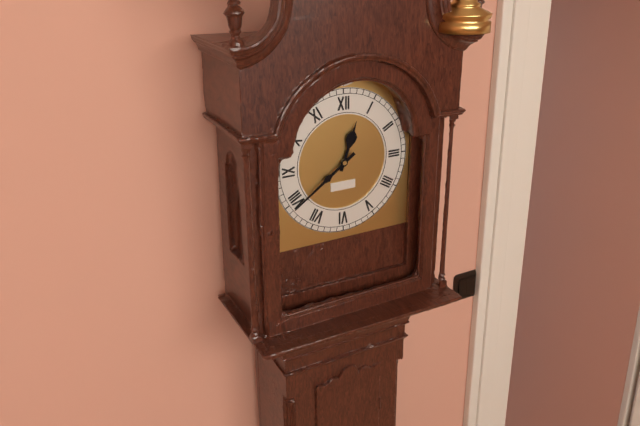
**12:39**
